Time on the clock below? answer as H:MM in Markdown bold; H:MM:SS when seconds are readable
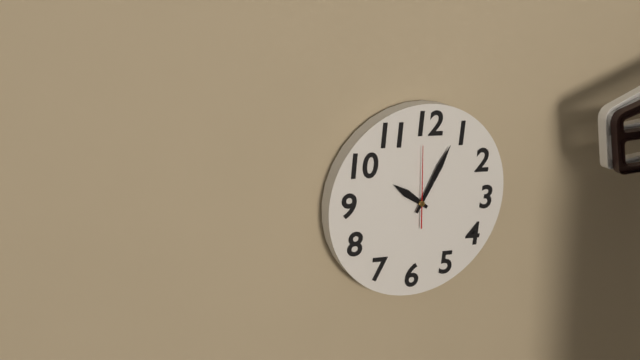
**10:04:59**
